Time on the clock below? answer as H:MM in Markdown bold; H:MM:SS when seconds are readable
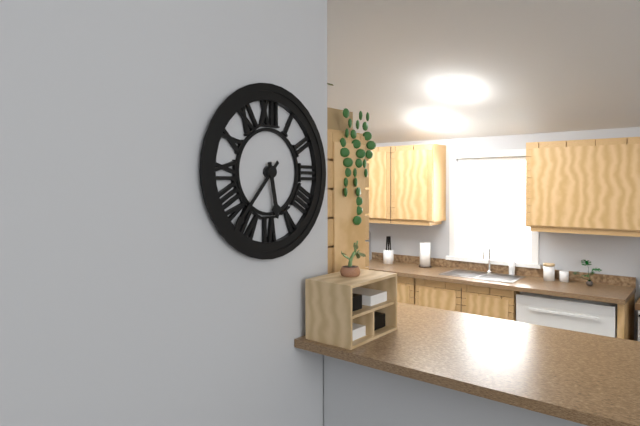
**5:37**
